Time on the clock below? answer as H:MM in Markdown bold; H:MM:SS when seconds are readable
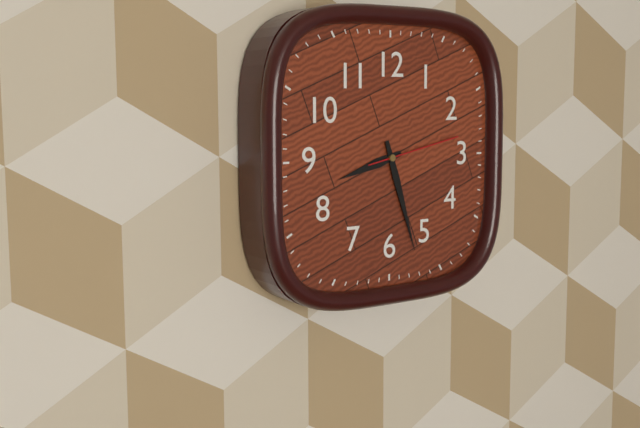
**8:27:13**
